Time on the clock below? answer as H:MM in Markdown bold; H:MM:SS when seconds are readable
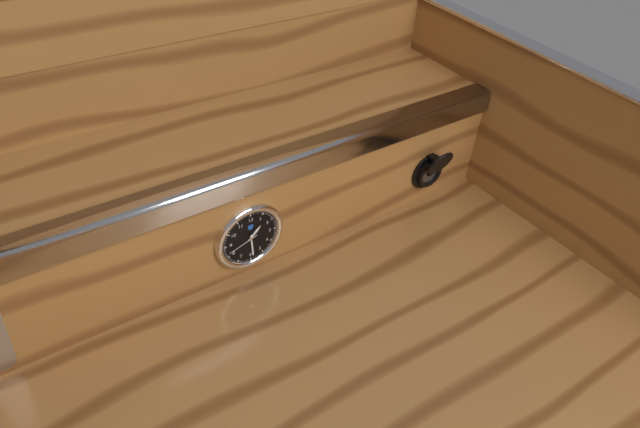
**1:29**
